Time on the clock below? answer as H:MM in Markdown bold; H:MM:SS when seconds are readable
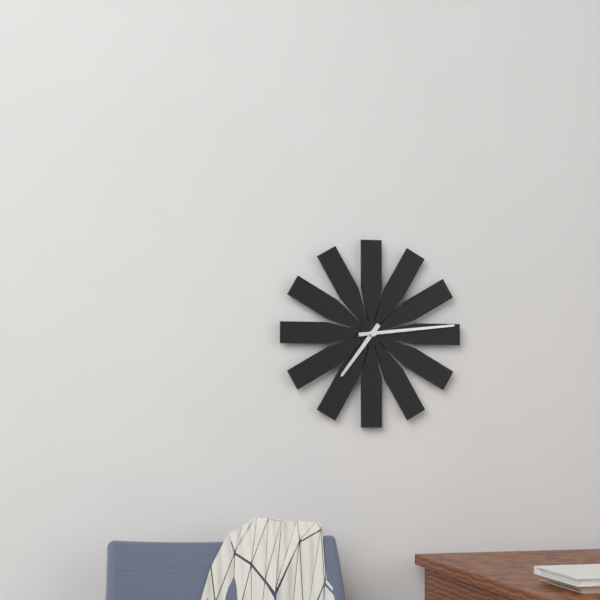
**7:14**
